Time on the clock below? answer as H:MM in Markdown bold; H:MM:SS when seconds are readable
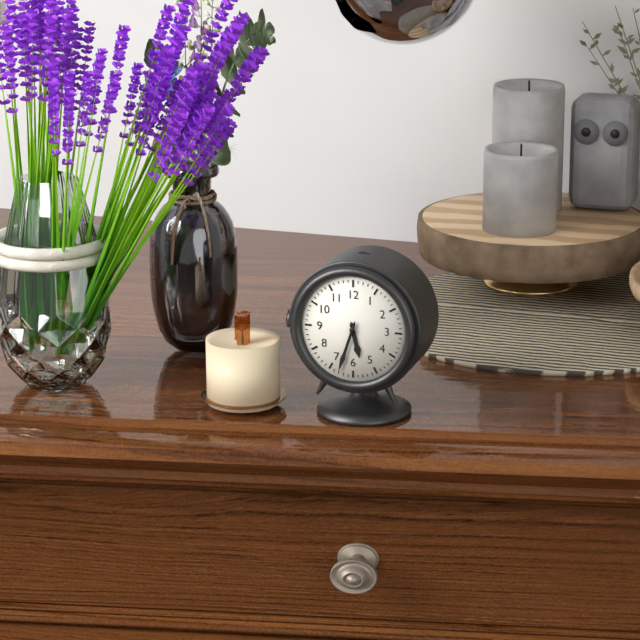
**5:33**
